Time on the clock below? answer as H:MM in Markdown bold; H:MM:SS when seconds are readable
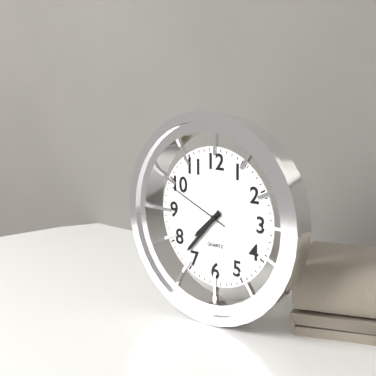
**7:37:49**
